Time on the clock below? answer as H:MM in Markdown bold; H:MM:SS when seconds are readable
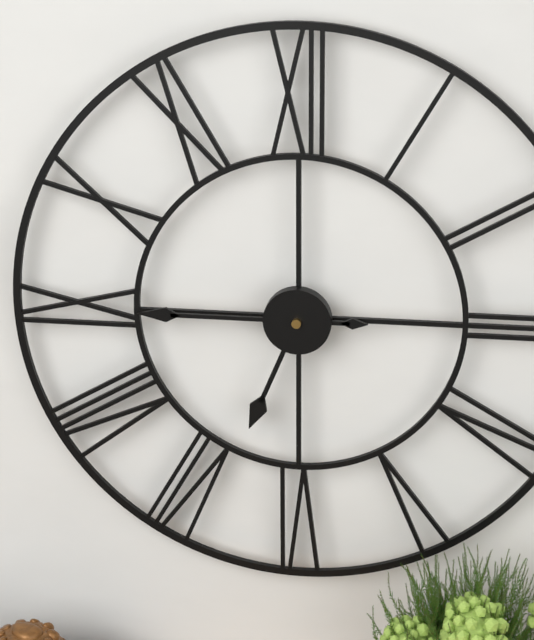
**6:45**
